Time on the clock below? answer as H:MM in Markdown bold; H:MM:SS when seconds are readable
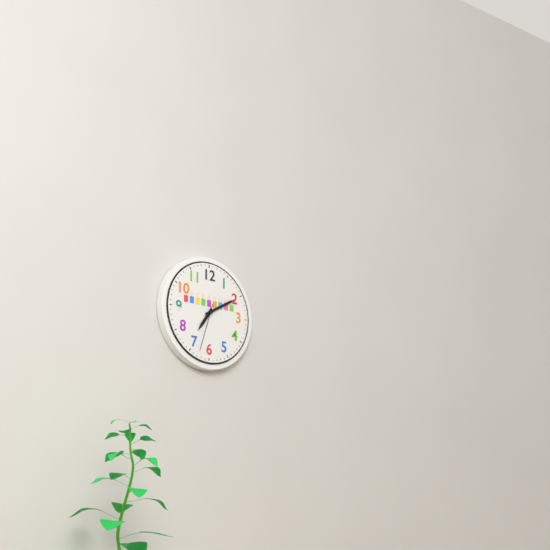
**7:10:33**
